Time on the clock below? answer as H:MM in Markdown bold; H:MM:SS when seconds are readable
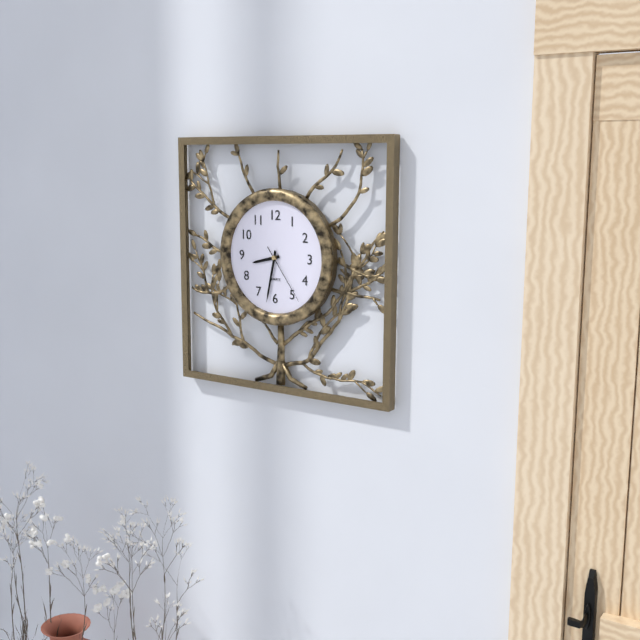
**8:32:24**
